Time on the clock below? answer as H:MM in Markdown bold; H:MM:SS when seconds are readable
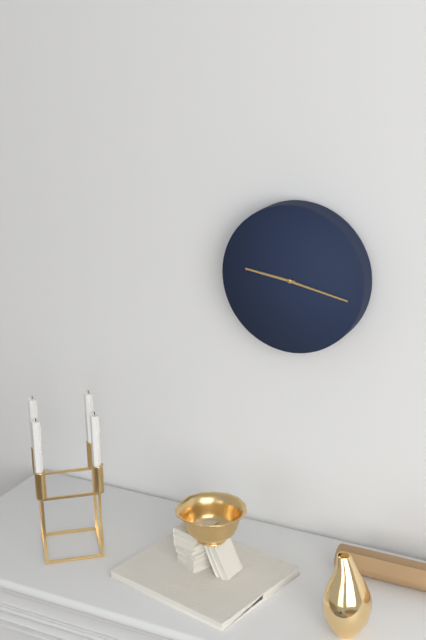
**9:17**
